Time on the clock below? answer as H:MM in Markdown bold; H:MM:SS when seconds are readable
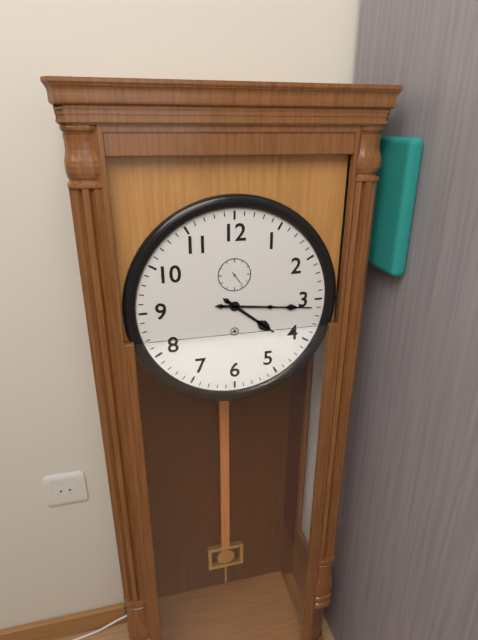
**4:16**
